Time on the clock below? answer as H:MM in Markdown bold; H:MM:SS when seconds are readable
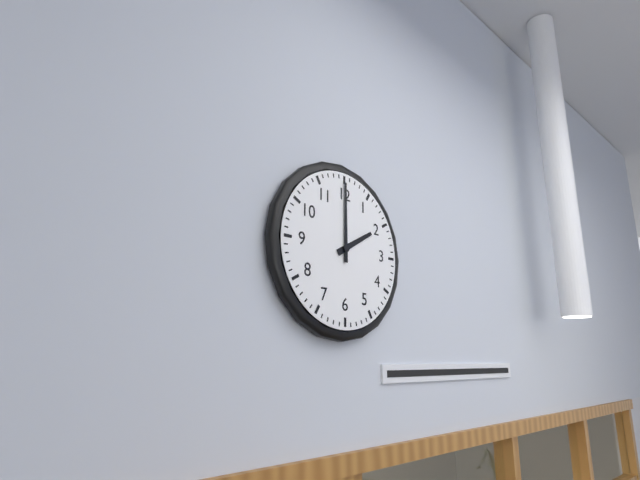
**2:00**
